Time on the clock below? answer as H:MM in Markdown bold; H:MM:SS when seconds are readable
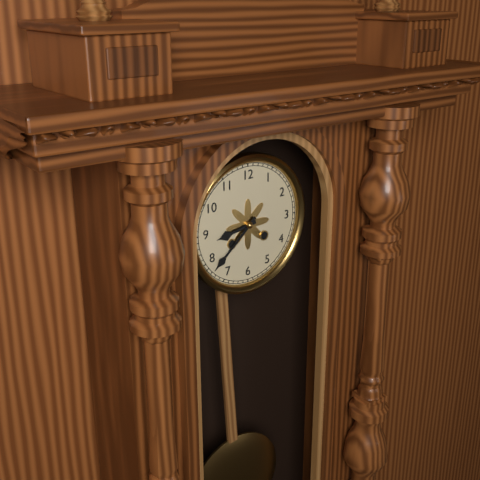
**8:38**
